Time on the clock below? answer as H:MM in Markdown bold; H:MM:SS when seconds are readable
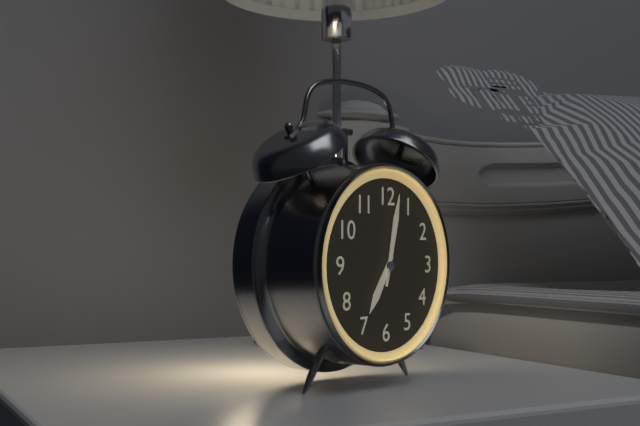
**7:02**
